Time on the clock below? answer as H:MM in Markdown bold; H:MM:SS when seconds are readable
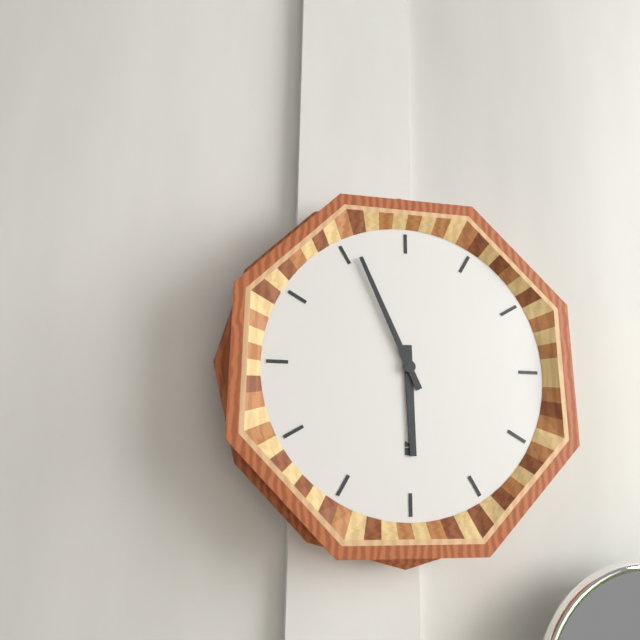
**5:56**
